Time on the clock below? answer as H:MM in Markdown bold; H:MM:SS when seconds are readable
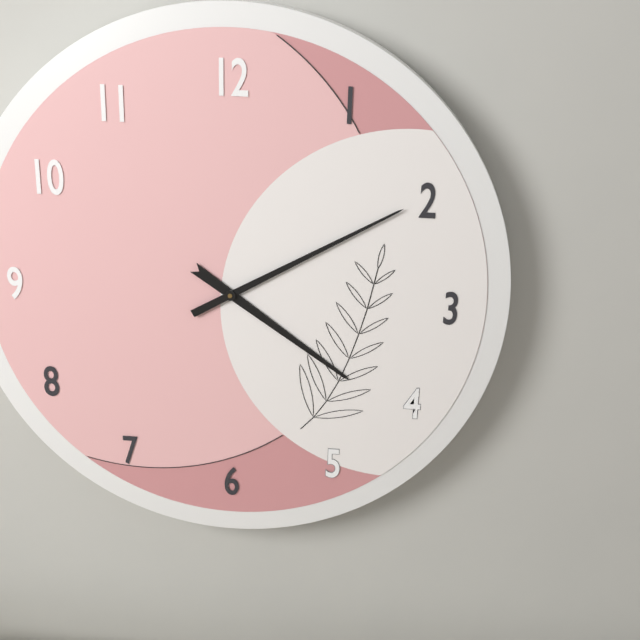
**4:10**
